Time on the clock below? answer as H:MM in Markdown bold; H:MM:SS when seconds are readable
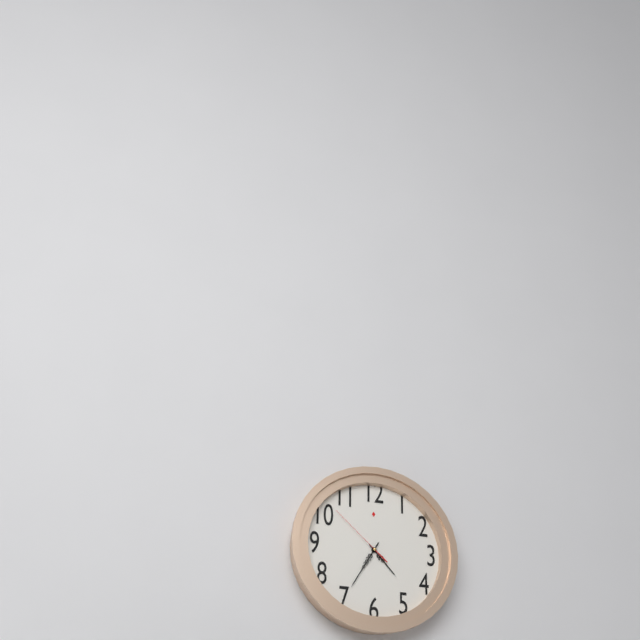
**4:35:52**
